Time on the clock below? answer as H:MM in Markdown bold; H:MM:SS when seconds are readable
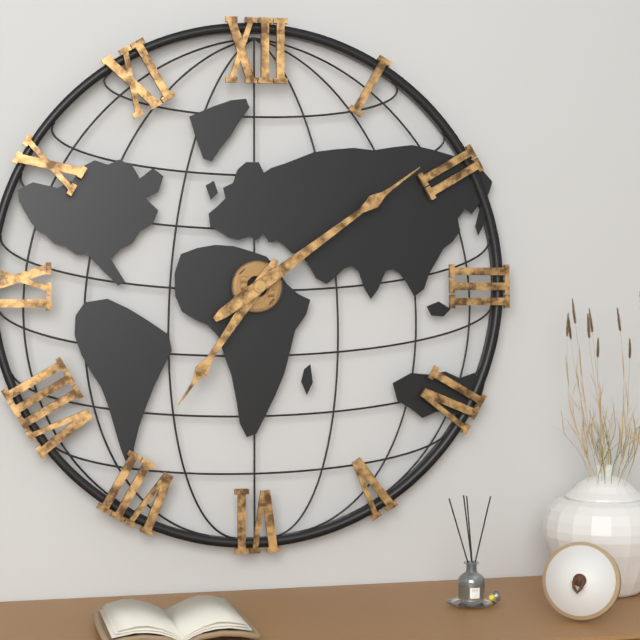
**7:09**
